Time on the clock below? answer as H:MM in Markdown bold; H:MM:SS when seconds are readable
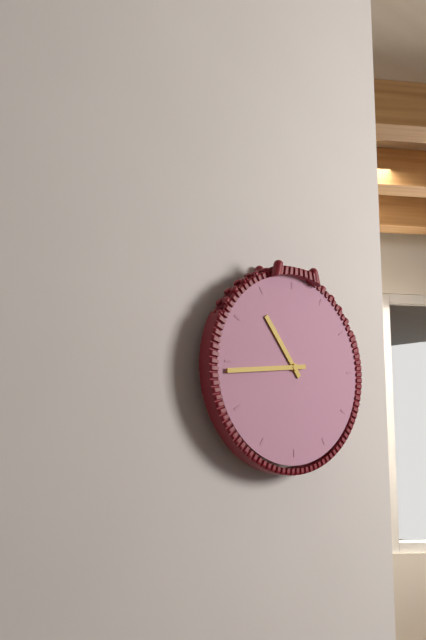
**10:44**
